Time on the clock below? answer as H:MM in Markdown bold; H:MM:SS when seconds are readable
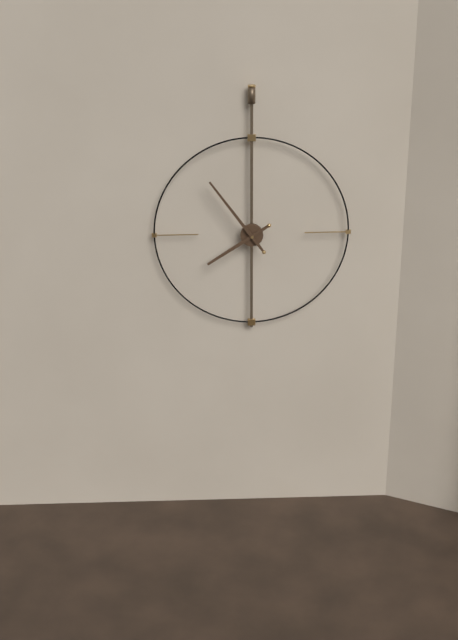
**7:54**
